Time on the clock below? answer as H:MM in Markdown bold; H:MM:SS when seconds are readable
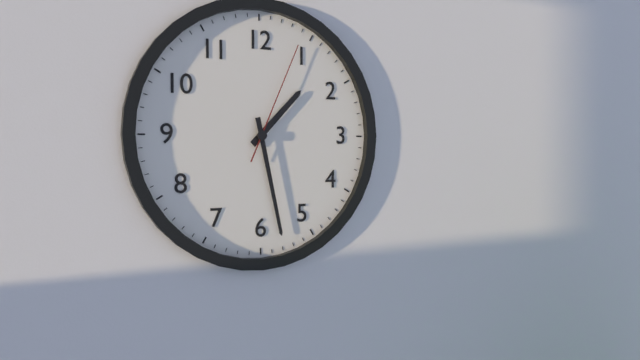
**1:28:04**
